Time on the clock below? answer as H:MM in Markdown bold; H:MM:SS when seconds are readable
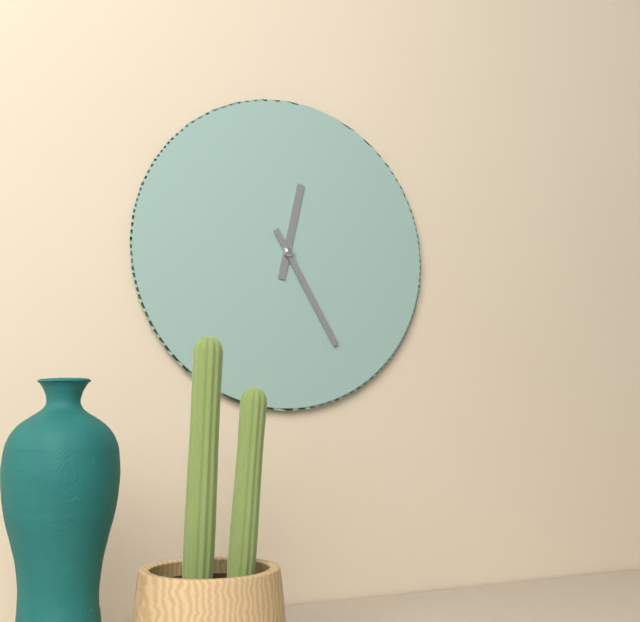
**12:25**
